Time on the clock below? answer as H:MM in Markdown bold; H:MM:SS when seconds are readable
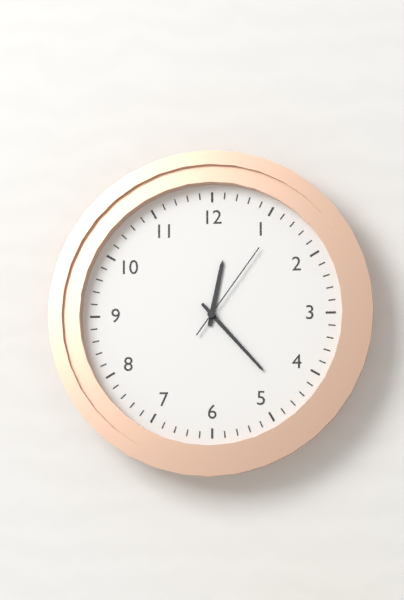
**12:23:06**
